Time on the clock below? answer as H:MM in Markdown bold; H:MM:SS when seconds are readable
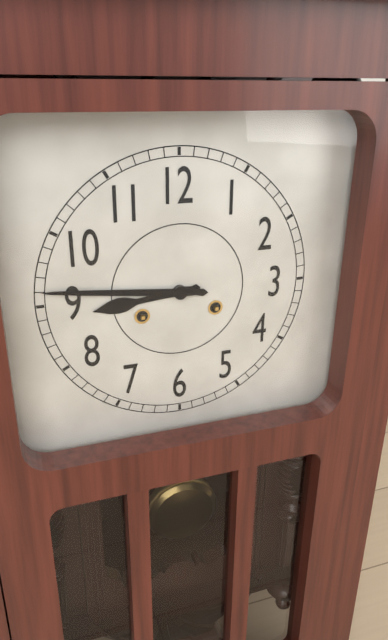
**8:46**
